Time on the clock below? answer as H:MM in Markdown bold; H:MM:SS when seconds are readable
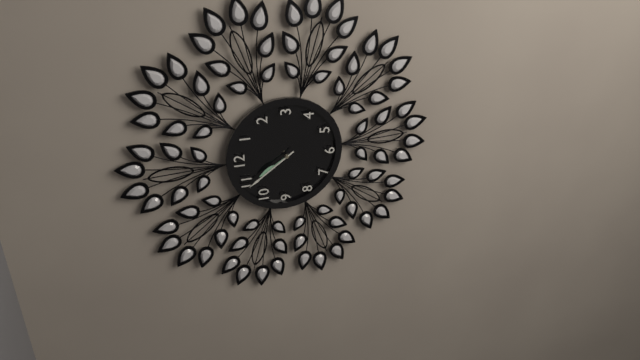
**10:54**
